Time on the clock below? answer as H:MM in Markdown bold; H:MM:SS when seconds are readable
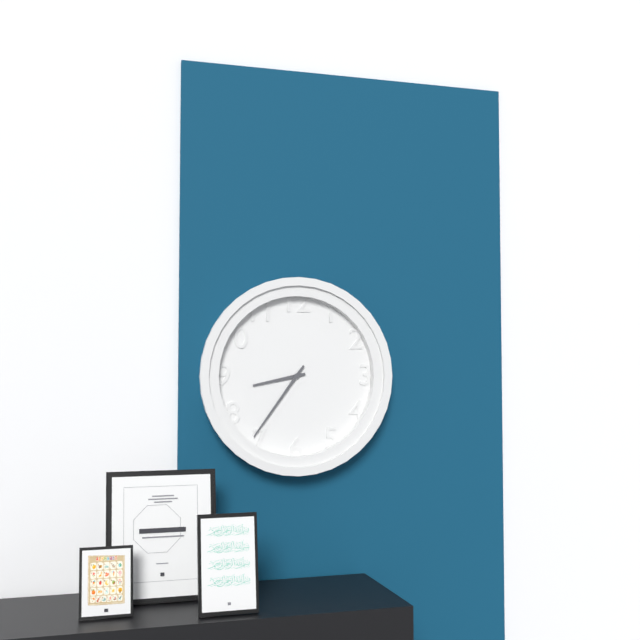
**8:36**
